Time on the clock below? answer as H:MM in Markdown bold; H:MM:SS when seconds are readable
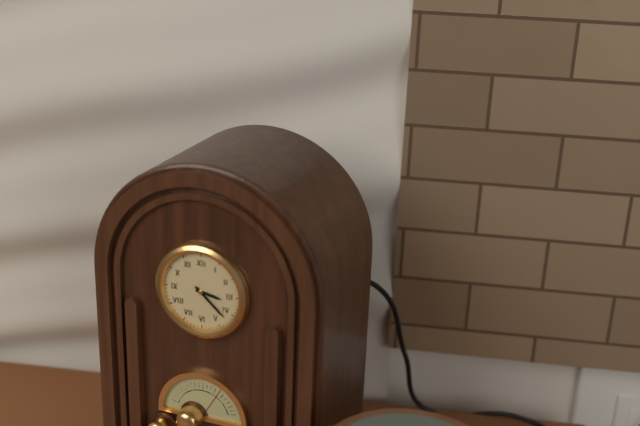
**3:22**
